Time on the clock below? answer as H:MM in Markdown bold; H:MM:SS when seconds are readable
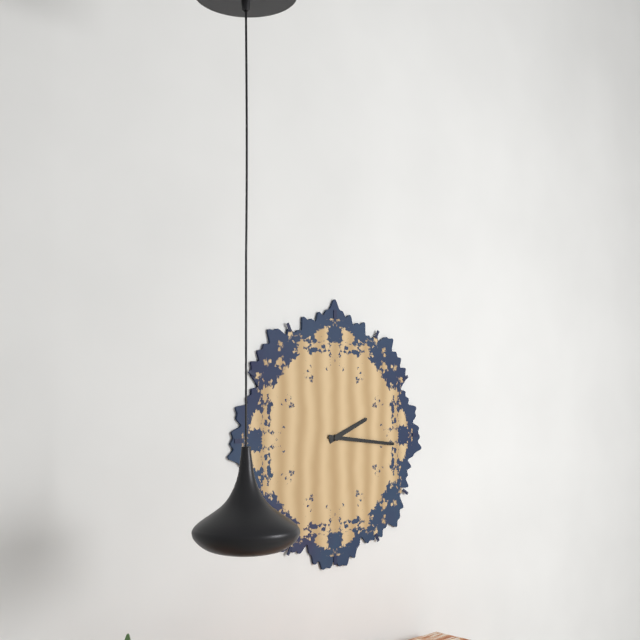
**2:16**
